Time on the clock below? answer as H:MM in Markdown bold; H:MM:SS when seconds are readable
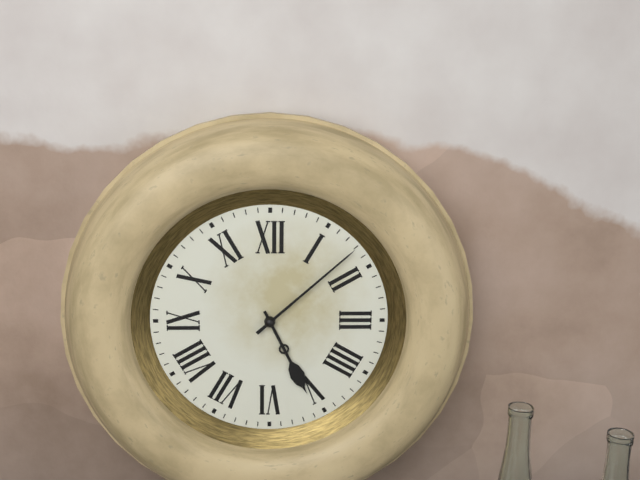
**5:08**
